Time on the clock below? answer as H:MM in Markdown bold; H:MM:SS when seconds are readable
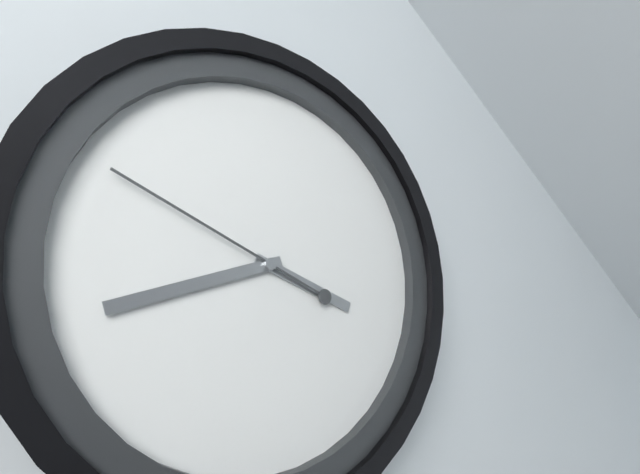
**3:42:49**
